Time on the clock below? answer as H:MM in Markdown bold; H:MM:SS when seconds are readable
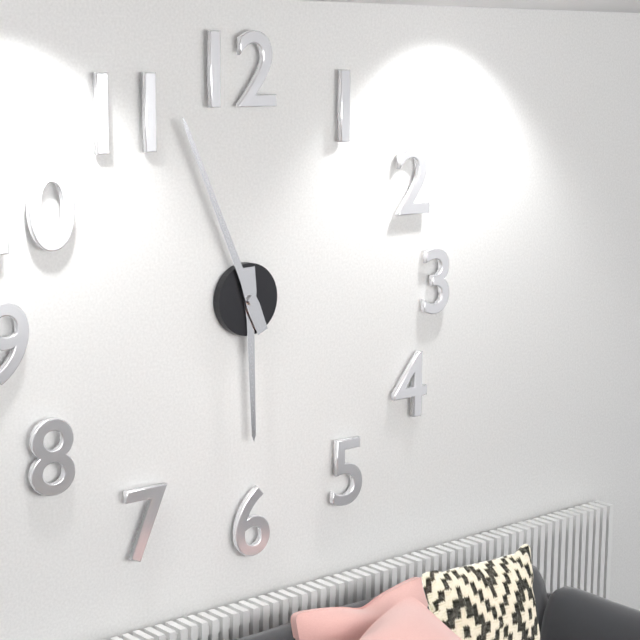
**5:56**
